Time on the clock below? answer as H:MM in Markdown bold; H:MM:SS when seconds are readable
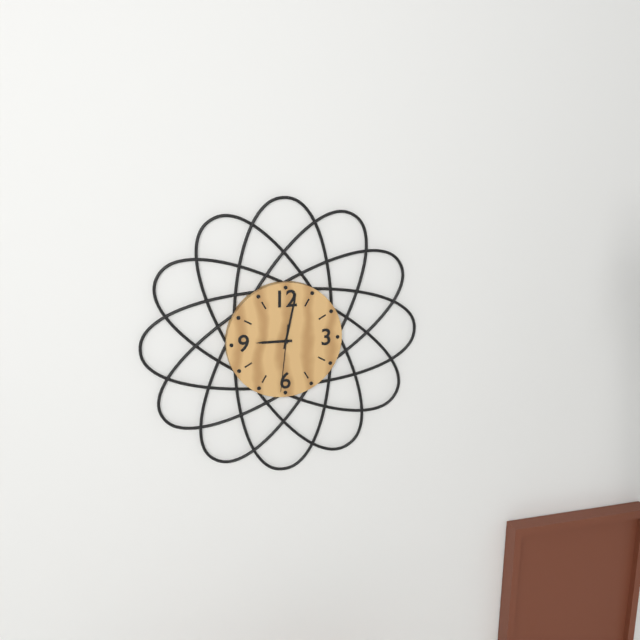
**9:02:31**
